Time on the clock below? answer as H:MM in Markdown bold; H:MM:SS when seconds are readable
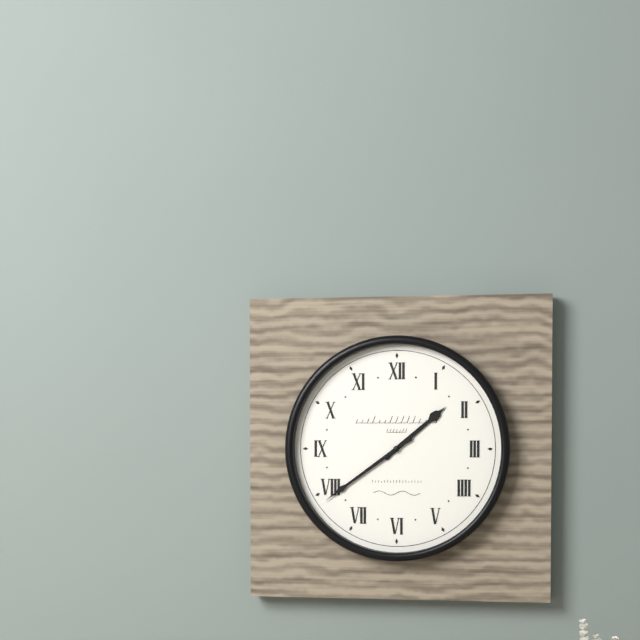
**1:39**
